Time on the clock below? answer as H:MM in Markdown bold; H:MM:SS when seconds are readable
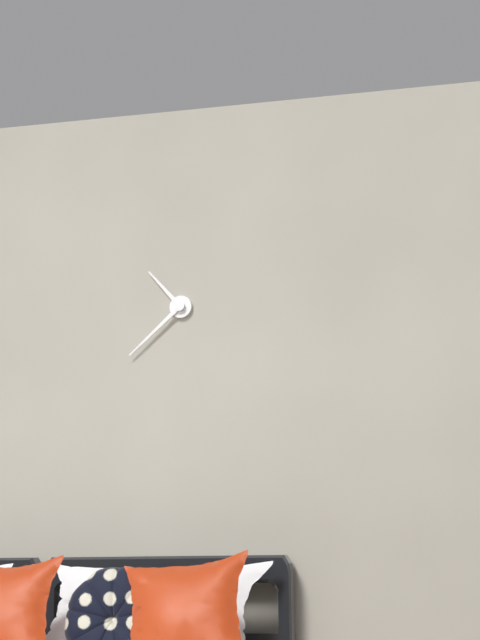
**10:38**
